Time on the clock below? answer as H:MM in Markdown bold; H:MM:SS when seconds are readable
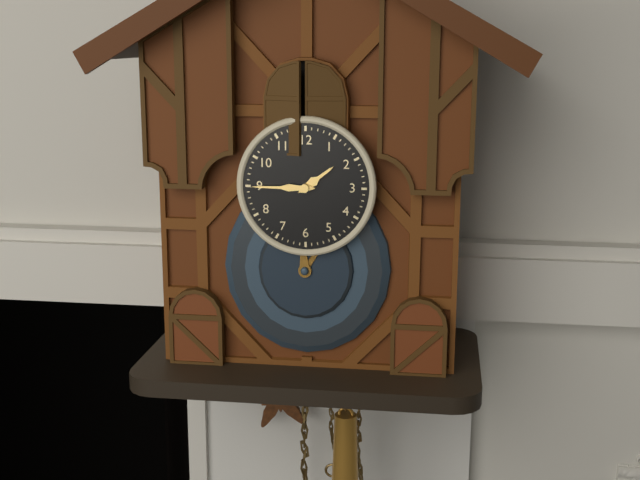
**1:45**
